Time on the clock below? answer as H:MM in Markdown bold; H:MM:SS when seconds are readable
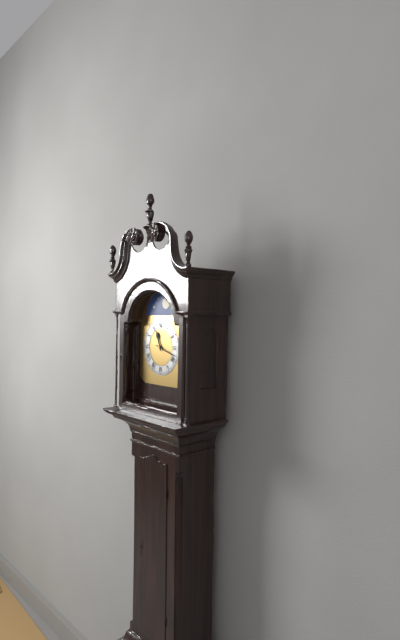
**11:18**
